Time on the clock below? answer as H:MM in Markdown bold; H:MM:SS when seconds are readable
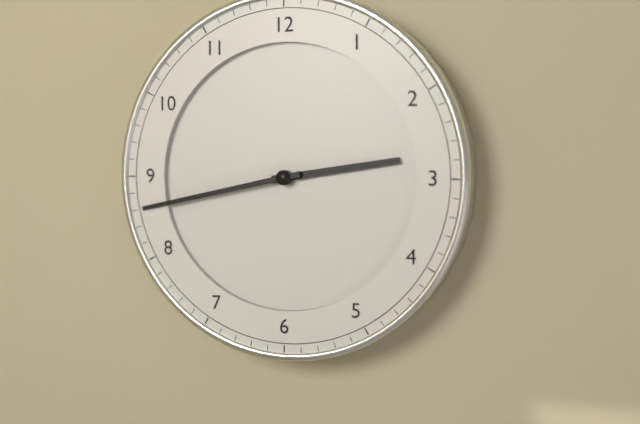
**2:43**
